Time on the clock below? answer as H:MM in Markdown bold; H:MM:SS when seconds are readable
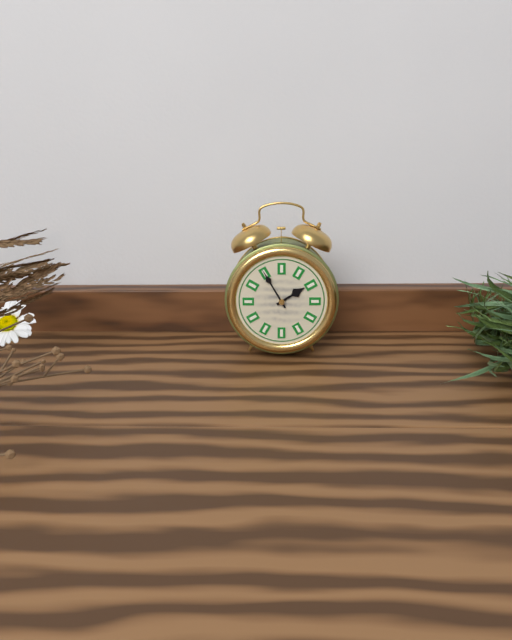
**1:55**
